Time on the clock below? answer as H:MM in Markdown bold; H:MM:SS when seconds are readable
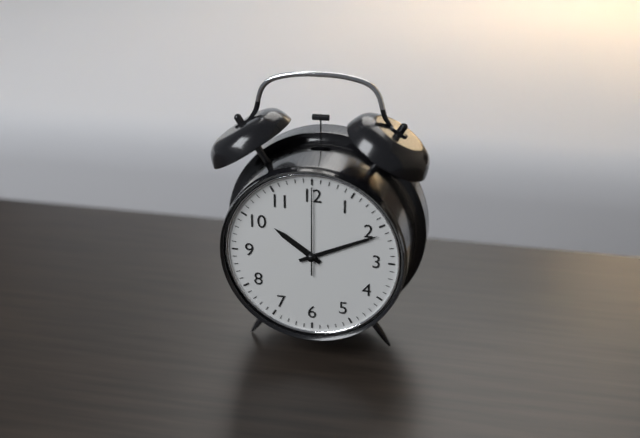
**10:11:00**
